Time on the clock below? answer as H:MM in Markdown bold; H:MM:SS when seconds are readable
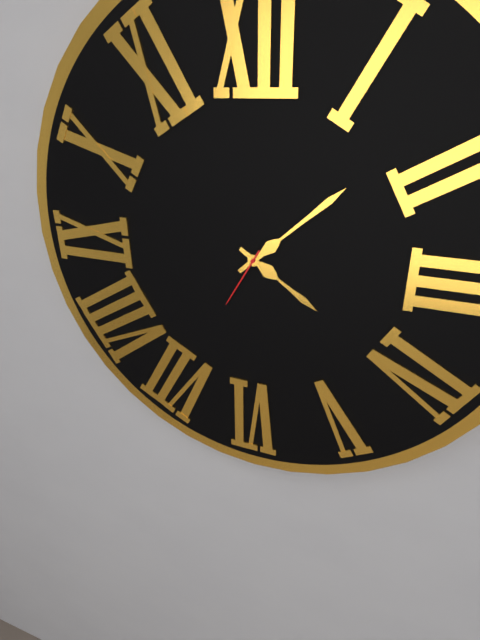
**4:08:35**
